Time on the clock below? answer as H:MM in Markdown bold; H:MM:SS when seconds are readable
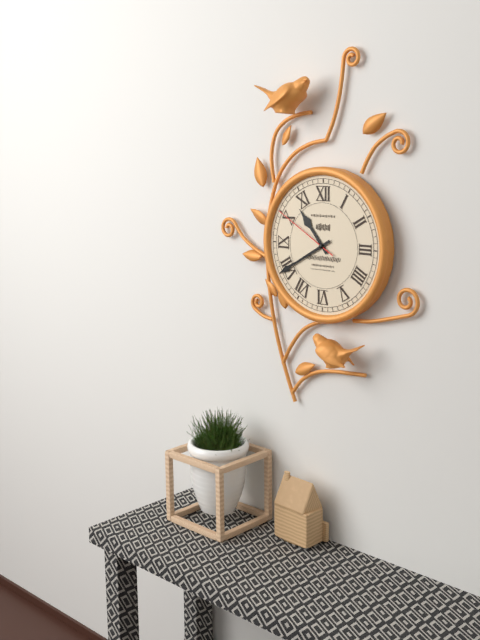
**10:40:50**
